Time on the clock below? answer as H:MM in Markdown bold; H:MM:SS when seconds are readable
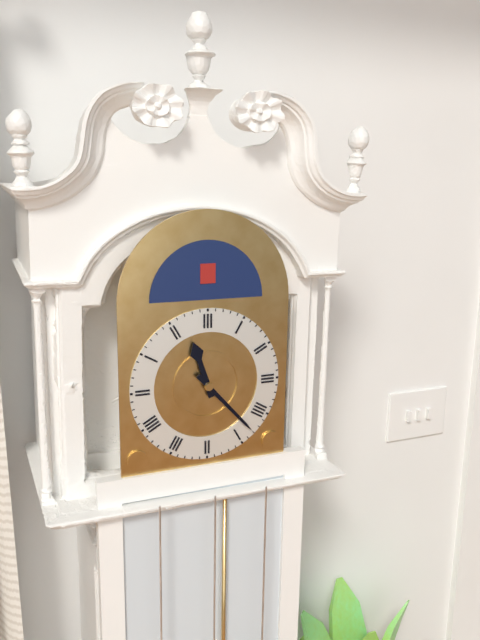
**11:23**
